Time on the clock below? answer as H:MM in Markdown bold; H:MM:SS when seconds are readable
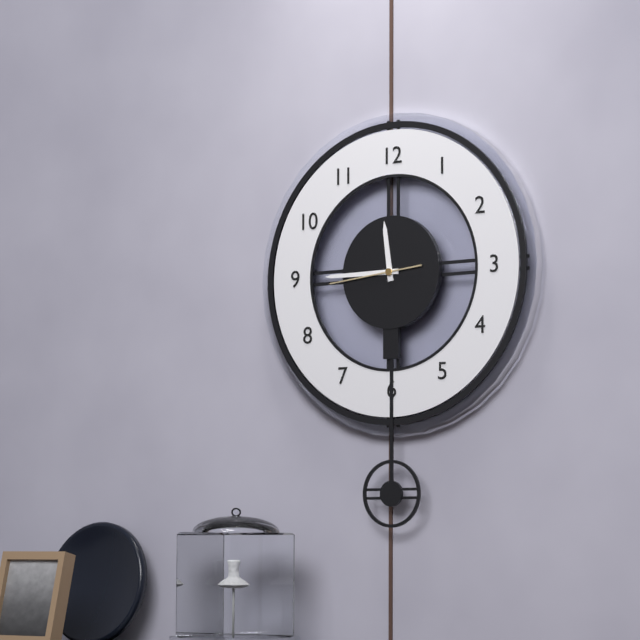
**11:45:44**
